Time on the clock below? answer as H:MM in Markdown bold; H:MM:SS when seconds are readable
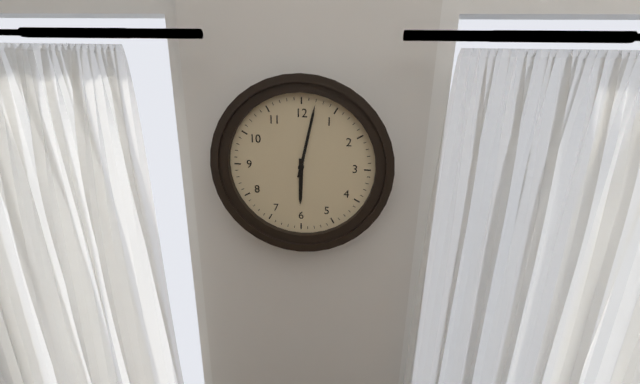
**6:02**
